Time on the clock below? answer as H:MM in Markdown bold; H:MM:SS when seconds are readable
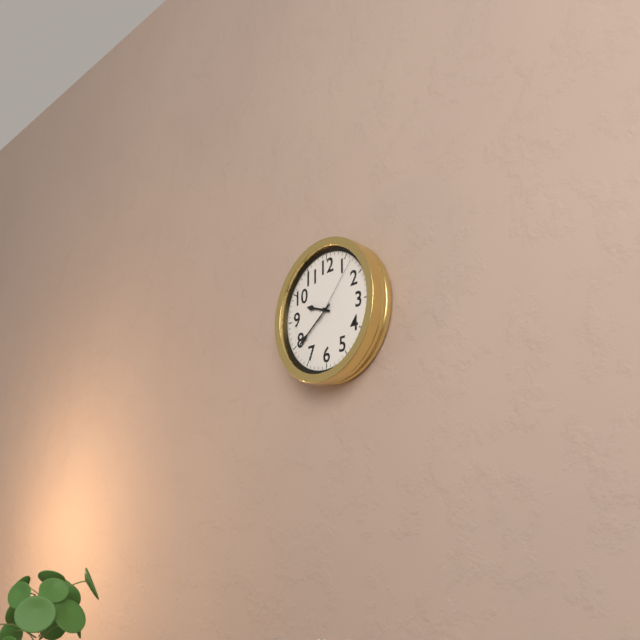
**9:39:07**
